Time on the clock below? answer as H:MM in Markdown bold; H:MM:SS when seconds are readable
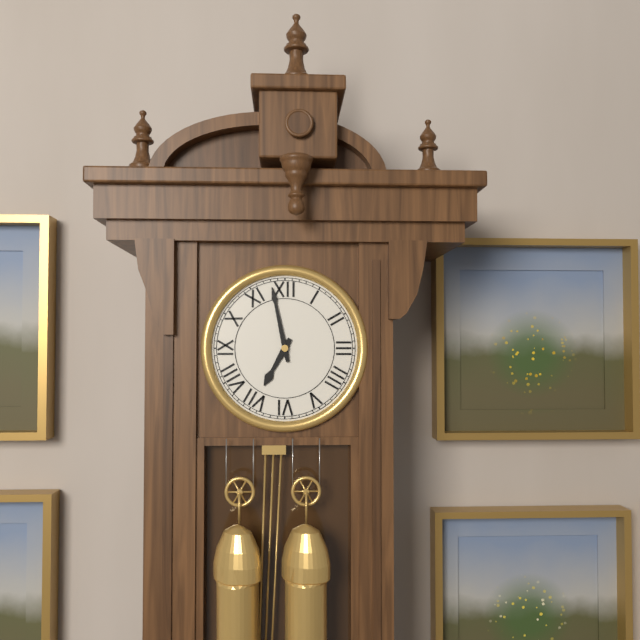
**6:58**
